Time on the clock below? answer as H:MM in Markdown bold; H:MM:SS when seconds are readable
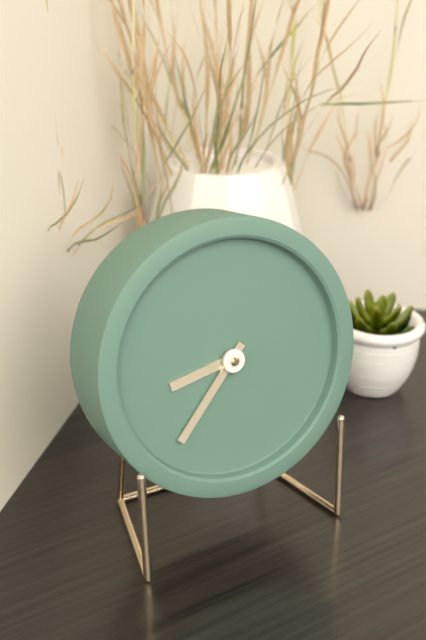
**8:37**
